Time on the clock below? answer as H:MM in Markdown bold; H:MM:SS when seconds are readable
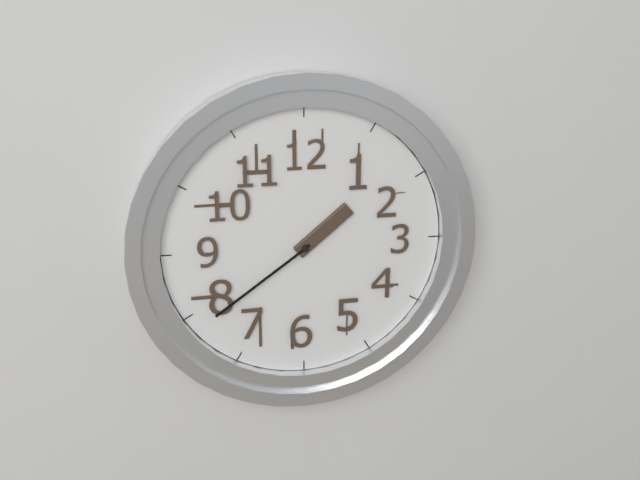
**1:39**
